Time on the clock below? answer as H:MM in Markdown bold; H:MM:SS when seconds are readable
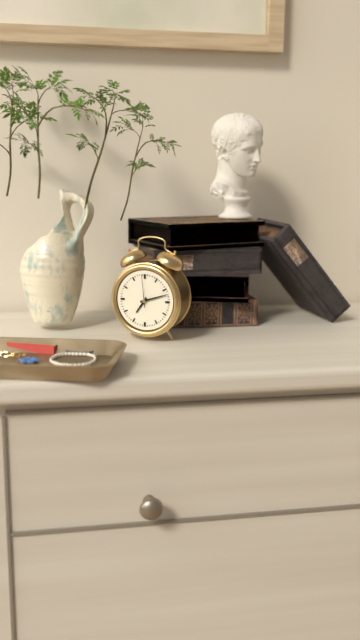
**7:12**
